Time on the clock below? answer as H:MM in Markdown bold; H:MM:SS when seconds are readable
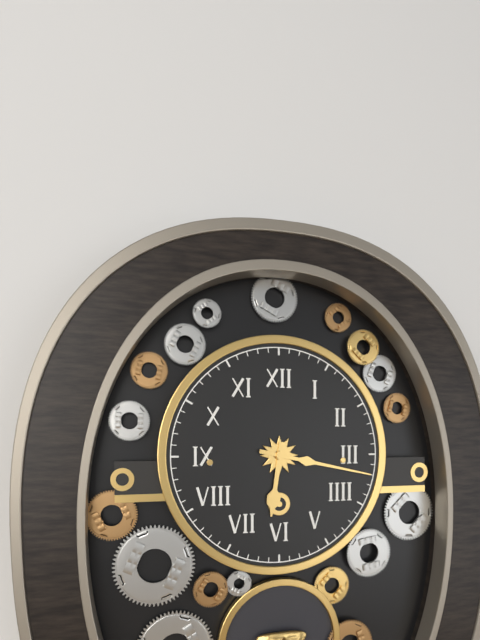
**6:17**
